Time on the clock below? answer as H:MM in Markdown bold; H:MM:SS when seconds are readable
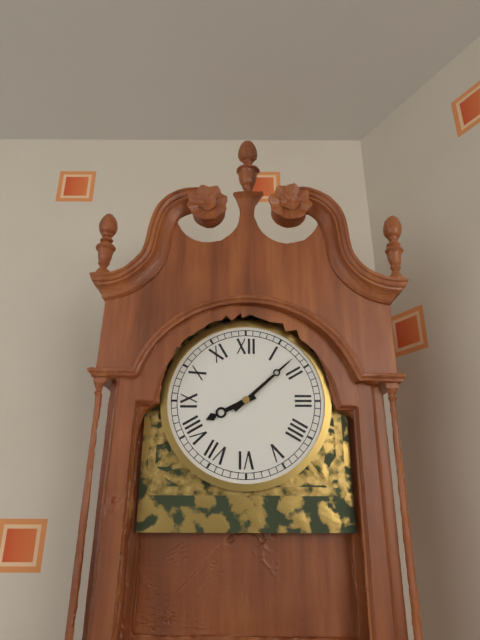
**8:08**
